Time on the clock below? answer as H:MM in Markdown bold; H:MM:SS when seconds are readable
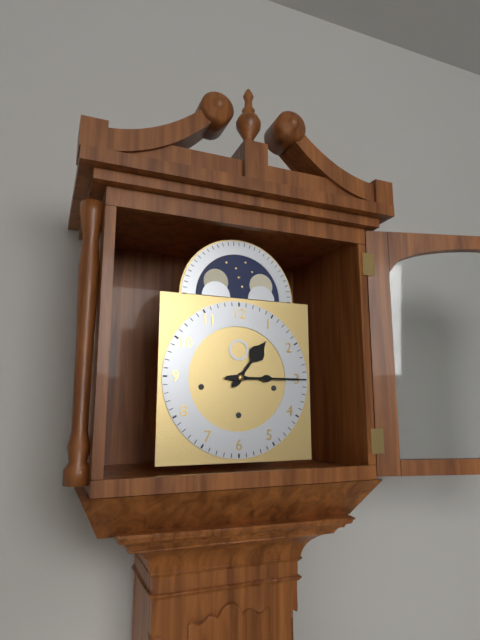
**1:15**
